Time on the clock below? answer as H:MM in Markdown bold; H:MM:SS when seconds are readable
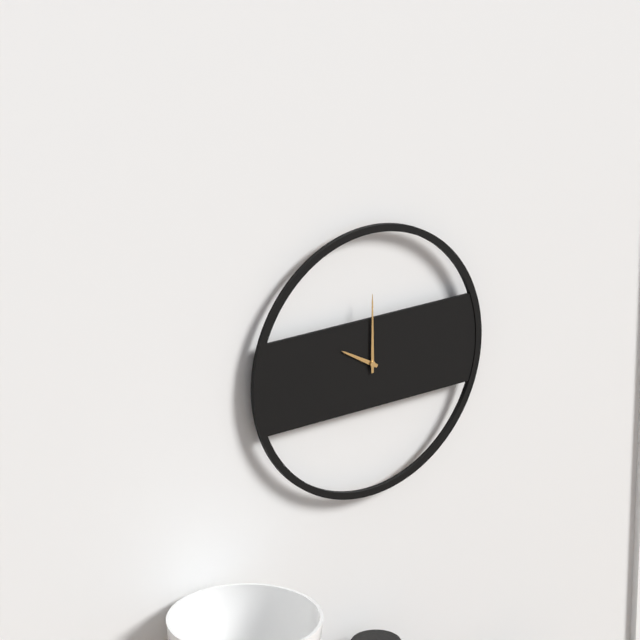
**10:00**
